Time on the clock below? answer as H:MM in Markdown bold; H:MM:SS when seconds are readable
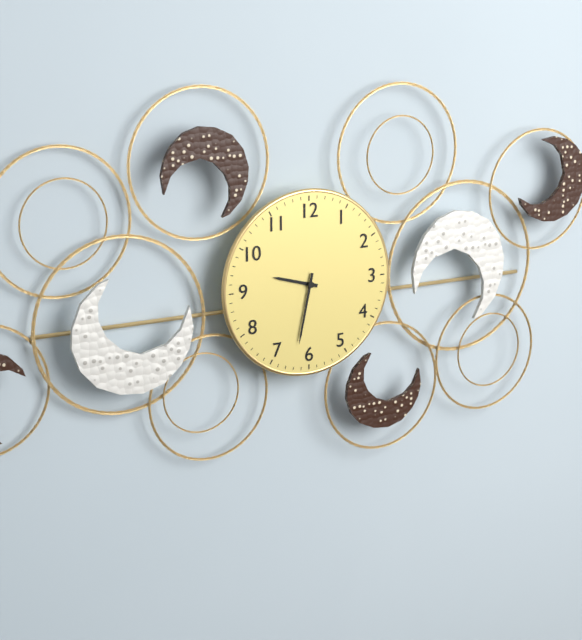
**9:32**
